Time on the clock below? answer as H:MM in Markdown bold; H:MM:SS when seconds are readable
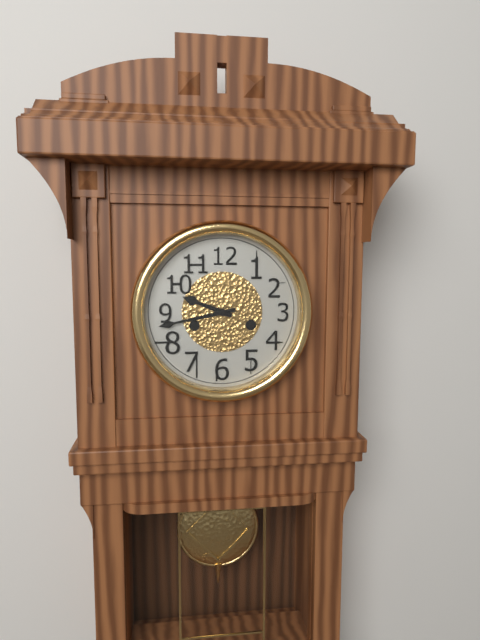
**9:43**
